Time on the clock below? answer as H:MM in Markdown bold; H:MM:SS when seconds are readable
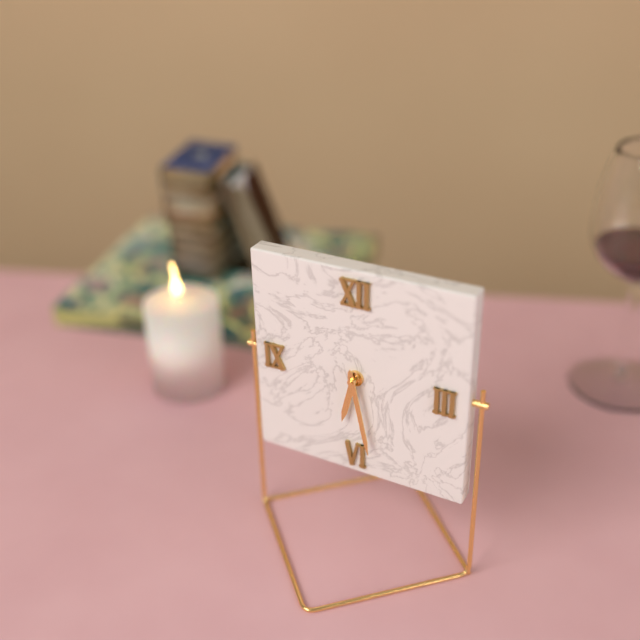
**6:28**
